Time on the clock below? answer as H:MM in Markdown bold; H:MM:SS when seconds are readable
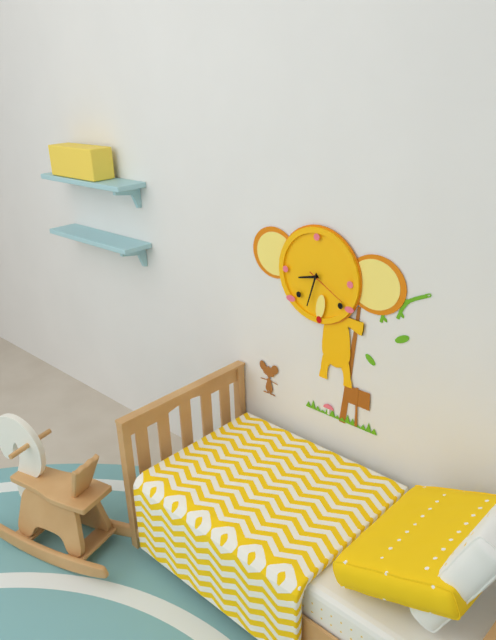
**8:33**
